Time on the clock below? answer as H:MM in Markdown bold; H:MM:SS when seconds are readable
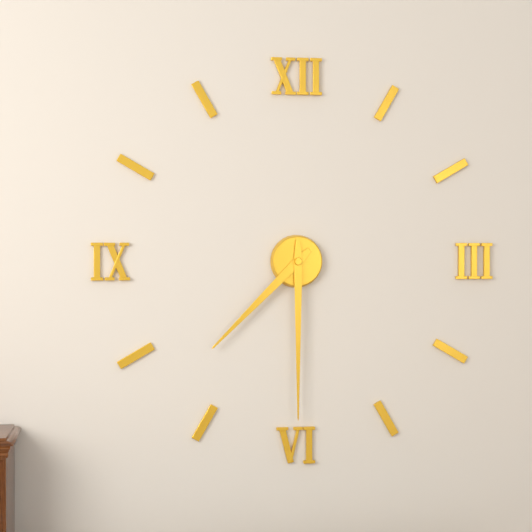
**7:30**
